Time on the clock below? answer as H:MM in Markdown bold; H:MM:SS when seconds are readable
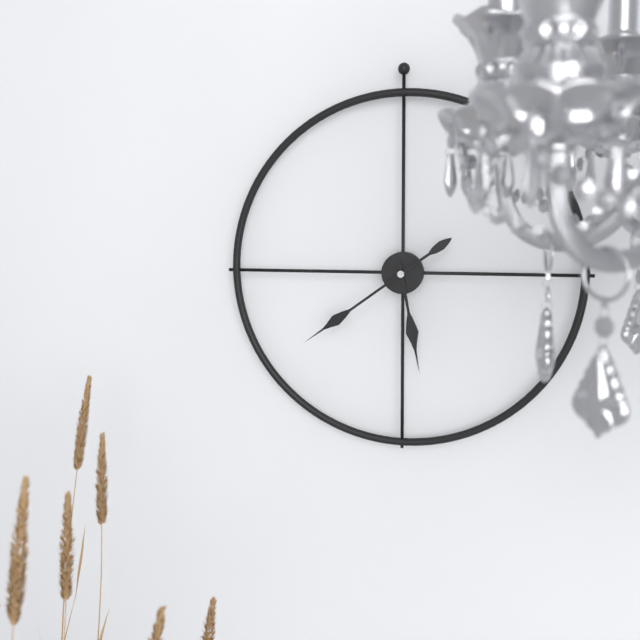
**5:39**
